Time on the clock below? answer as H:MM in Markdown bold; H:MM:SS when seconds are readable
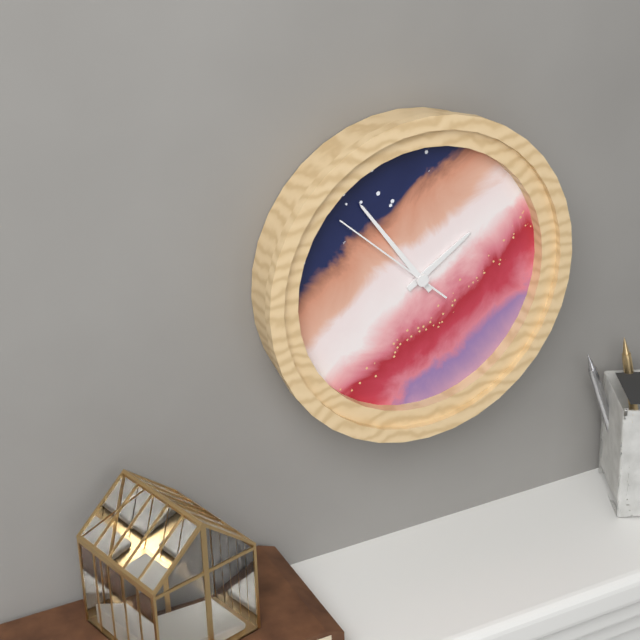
**1:54:52**
